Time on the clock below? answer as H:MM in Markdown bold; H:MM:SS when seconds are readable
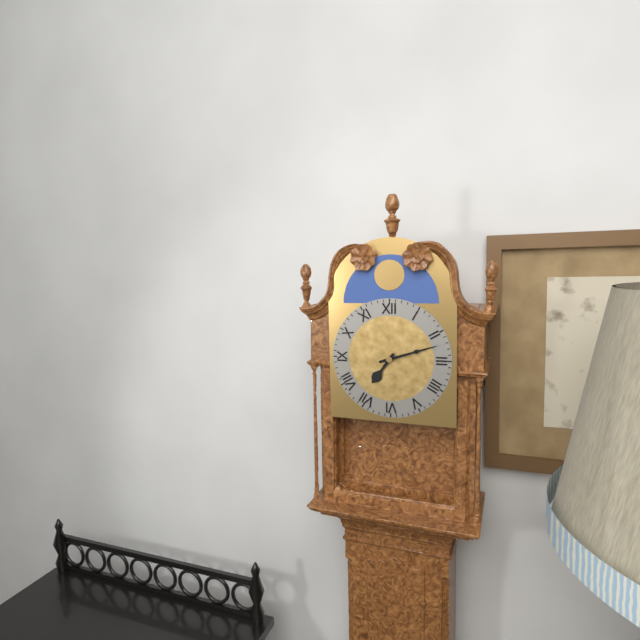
**7:12**
